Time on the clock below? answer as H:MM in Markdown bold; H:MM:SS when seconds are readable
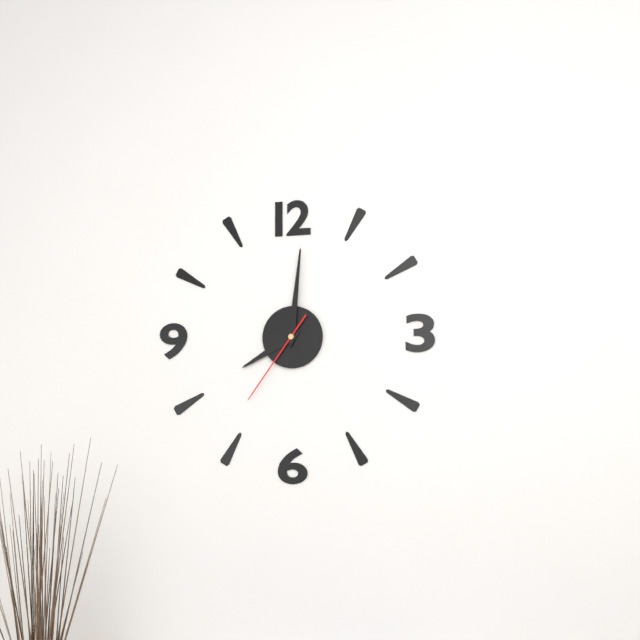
**8:01:36**
